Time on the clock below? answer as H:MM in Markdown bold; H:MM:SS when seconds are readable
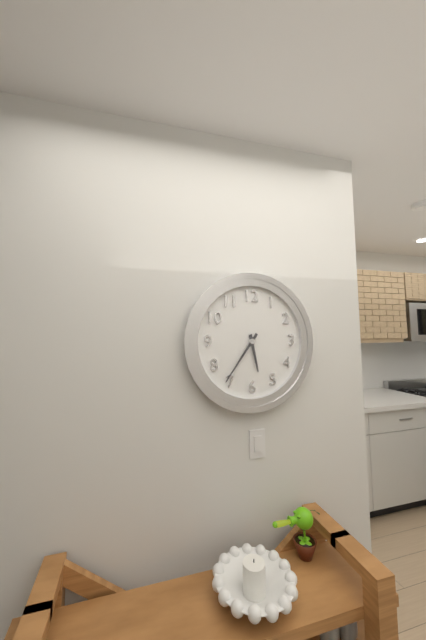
**5:36**
